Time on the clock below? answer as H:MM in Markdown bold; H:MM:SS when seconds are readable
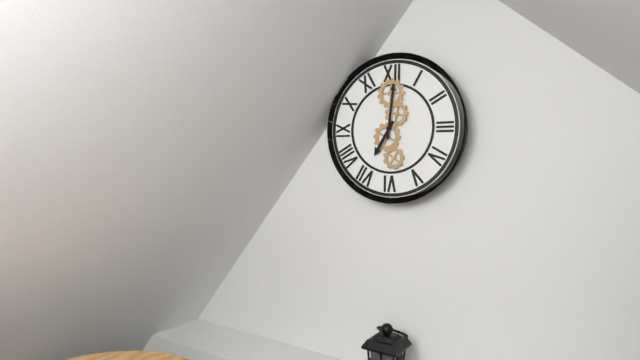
**7:01**
